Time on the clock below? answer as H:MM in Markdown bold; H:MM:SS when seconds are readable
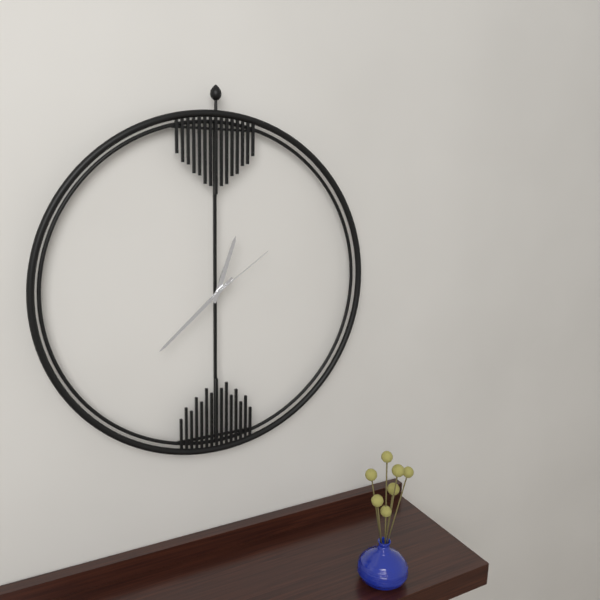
**12:38:09**
